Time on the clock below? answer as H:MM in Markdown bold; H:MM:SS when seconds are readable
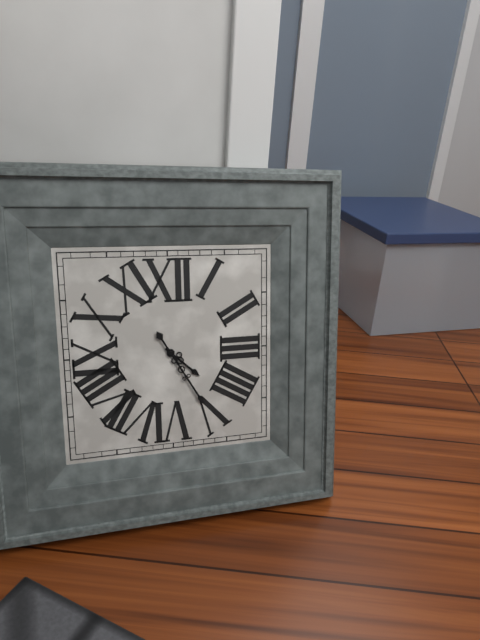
**4:25**
